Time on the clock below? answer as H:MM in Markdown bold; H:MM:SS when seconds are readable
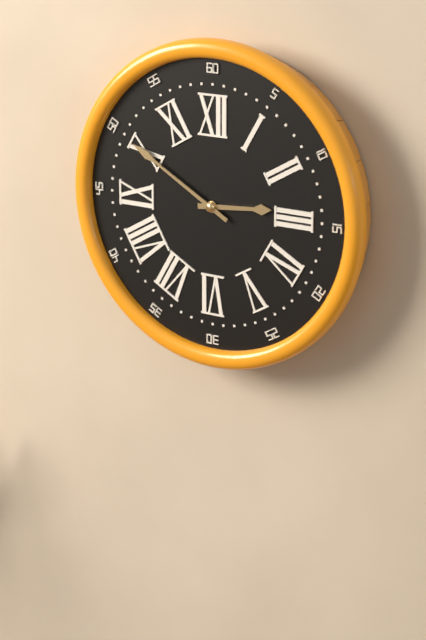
**2:50**
